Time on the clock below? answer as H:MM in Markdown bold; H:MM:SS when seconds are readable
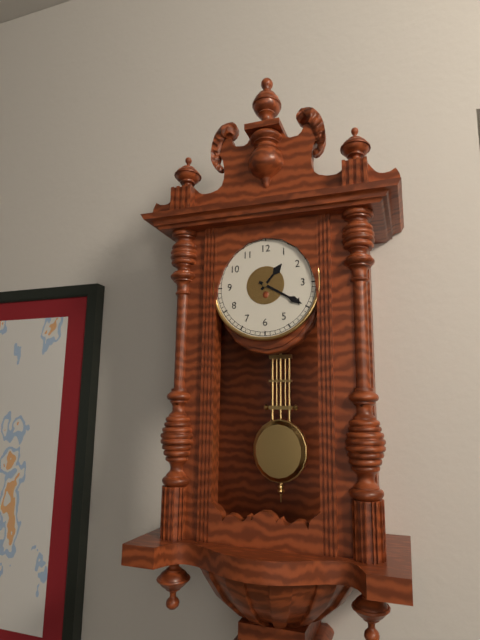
**1:20**
